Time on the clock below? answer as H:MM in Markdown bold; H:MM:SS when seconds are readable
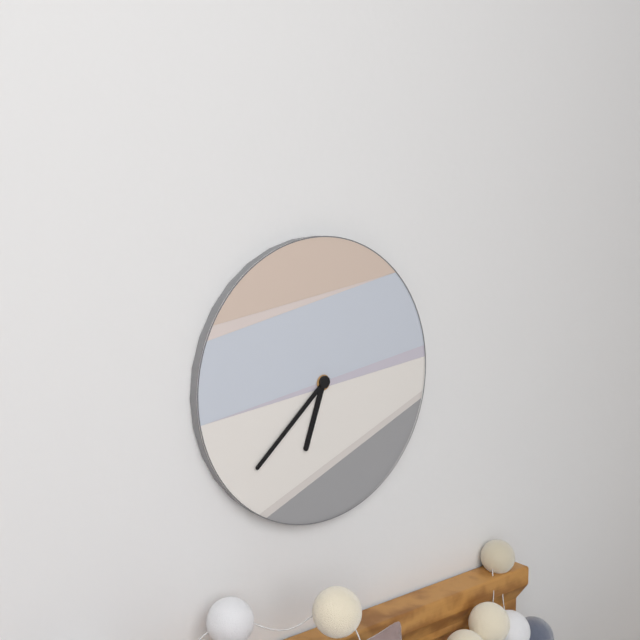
**6:38**
